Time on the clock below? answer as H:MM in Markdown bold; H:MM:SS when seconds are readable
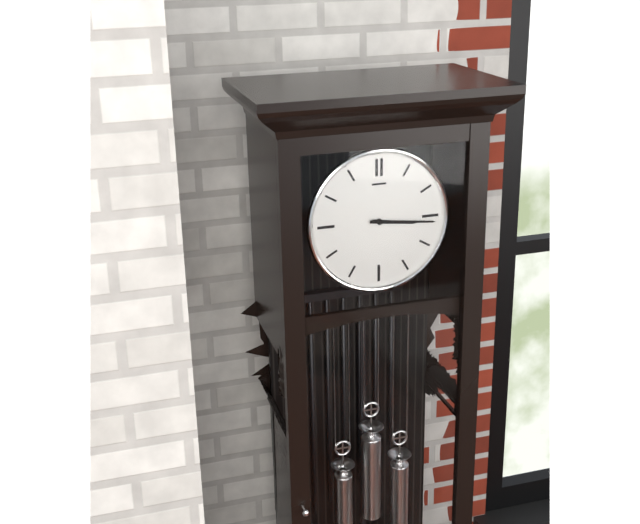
**3:16**
